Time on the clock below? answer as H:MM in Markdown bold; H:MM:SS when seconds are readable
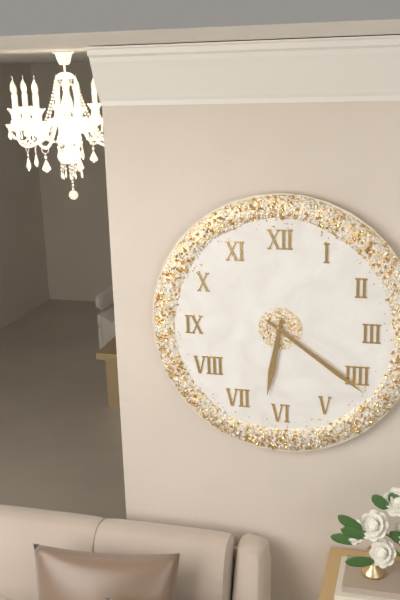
**6:21**
